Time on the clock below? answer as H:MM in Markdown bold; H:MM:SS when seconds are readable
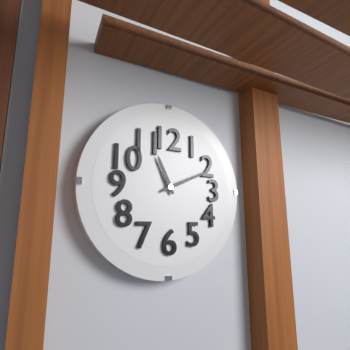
**11:11**
